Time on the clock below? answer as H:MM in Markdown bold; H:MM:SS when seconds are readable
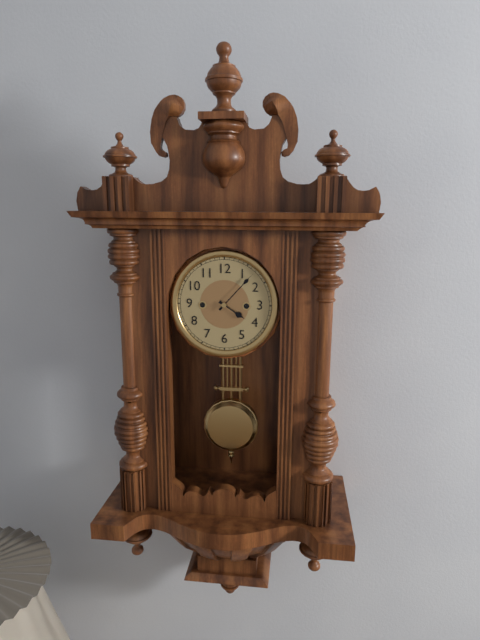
**4:07**
